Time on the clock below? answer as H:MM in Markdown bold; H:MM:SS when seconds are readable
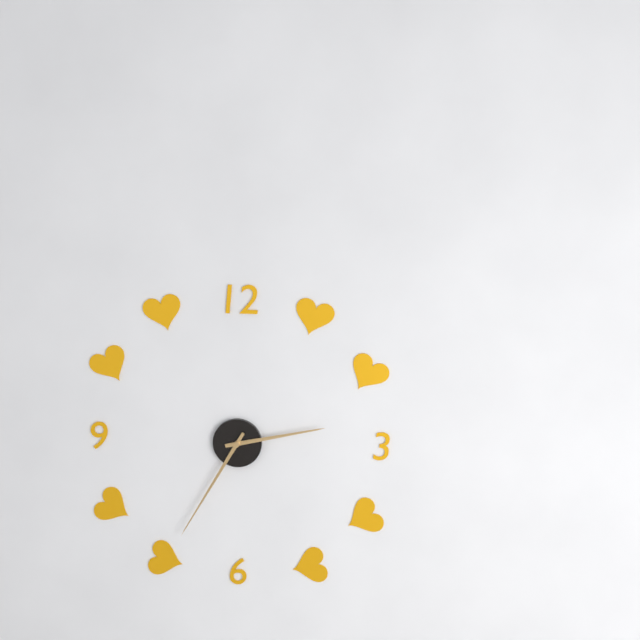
**2:35**
